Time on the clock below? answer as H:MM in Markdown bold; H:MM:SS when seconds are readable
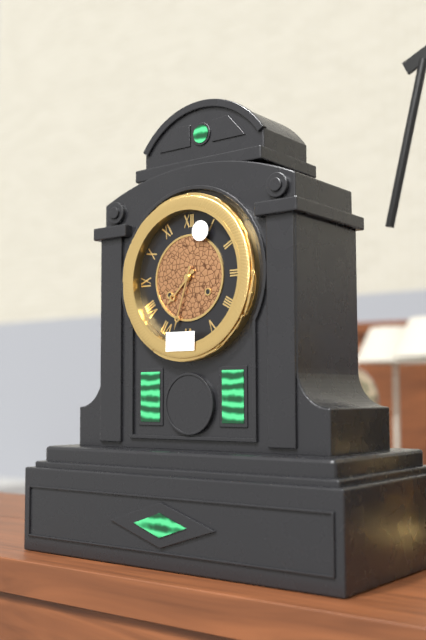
**7:33**
